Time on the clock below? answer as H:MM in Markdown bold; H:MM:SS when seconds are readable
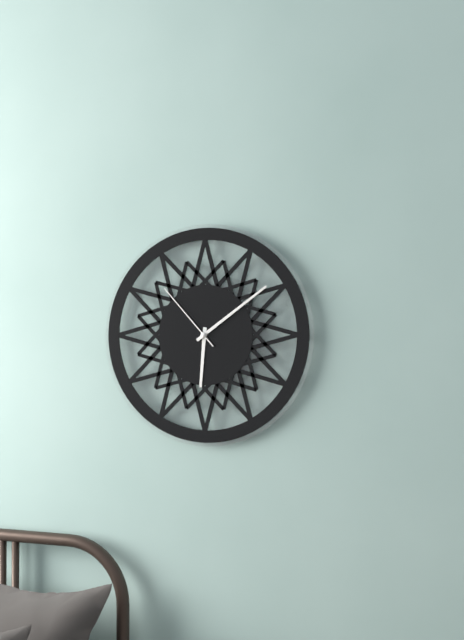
**6:09:53**
